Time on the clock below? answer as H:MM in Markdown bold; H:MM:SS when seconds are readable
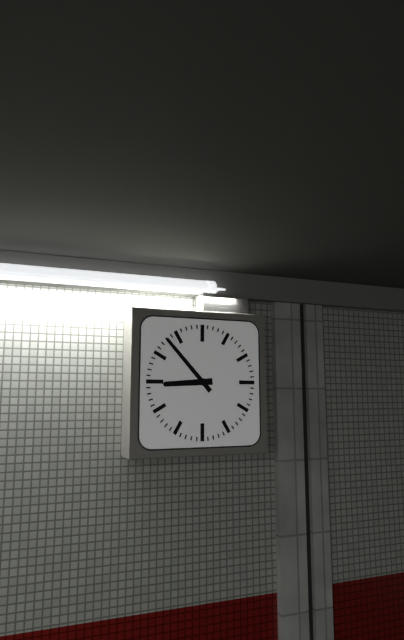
**8:53**
